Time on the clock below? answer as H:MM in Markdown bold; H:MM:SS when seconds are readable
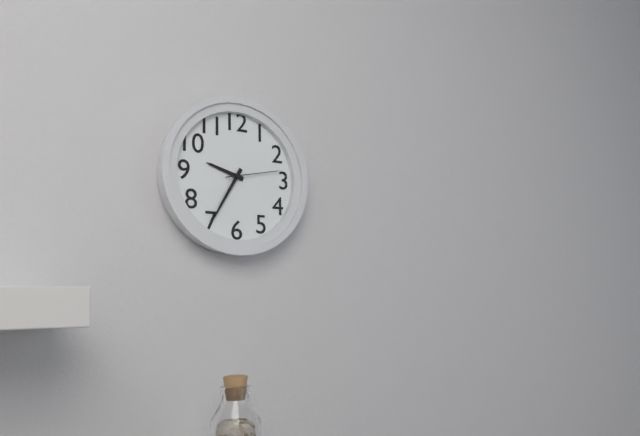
**9:35:13**
